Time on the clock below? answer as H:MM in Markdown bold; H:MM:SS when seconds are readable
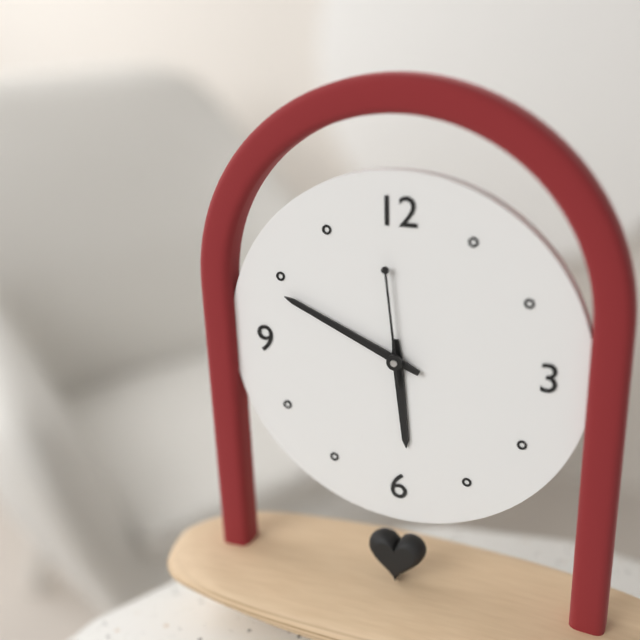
**5:49:59**
